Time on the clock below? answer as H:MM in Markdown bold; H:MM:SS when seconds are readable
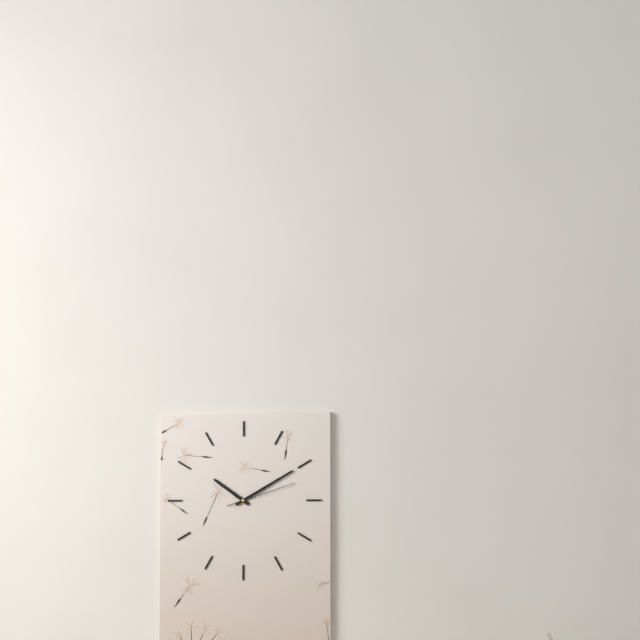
**10:10:12**
